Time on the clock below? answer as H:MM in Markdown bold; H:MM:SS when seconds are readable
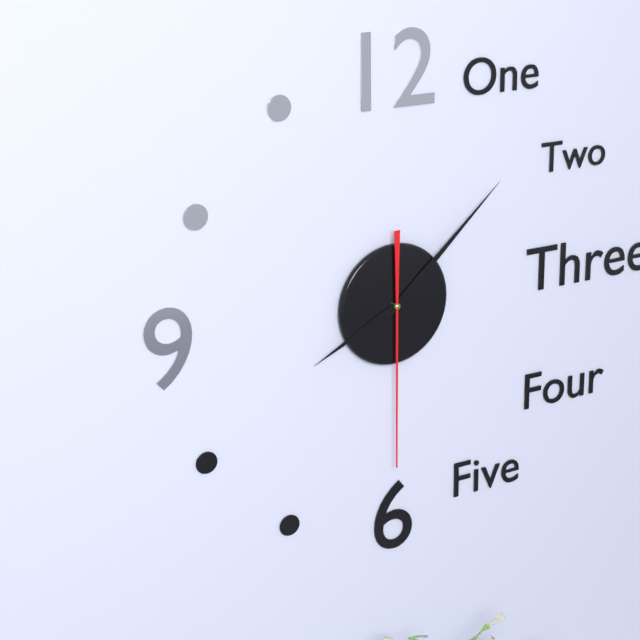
**8:08:30**
